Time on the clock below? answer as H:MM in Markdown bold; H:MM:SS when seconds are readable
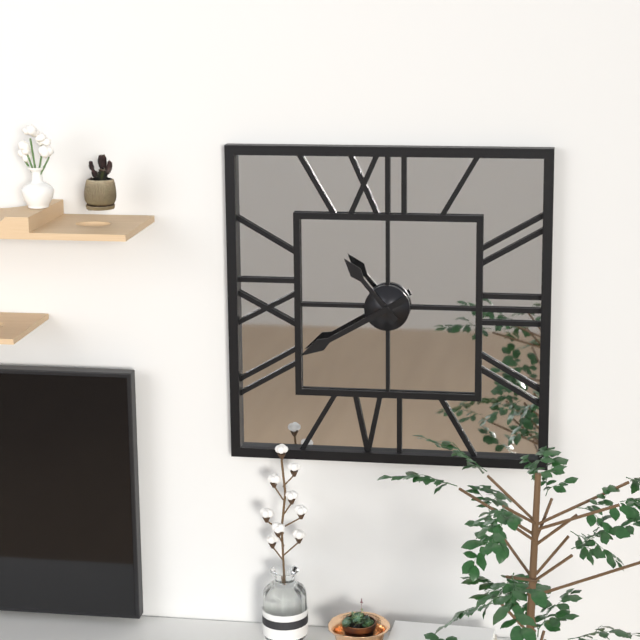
**10:40**
